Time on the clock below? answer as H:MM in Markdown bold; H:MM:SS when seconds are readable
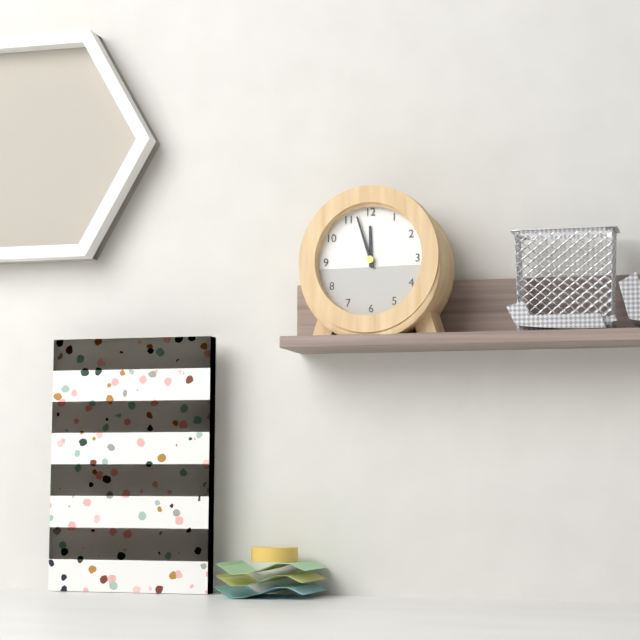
**11:57**
